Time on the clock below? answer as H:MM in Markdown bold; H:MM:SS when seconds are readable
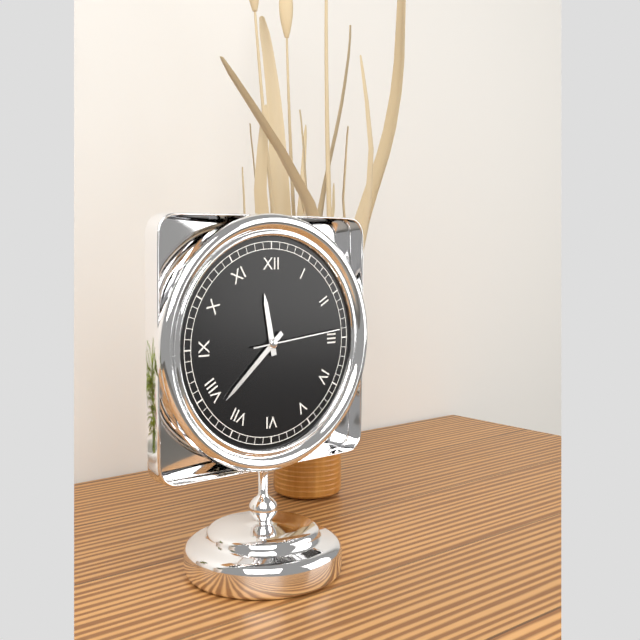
**11:38:14**
